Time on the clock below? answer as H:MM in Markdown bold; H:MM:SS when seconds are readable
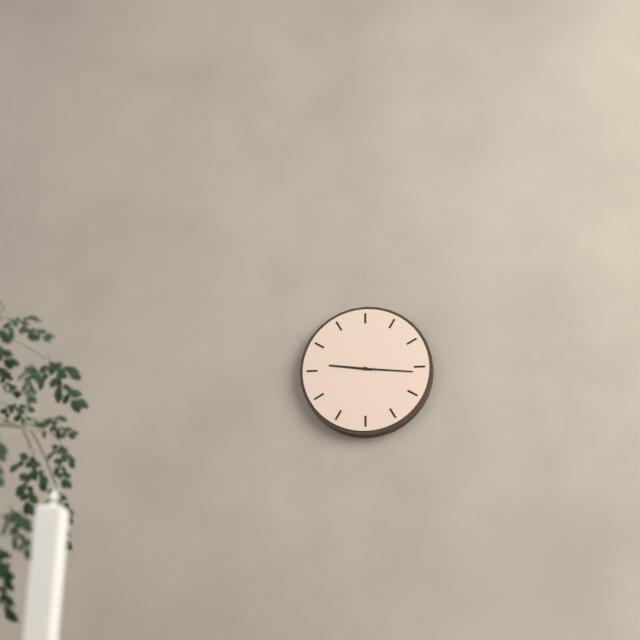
**9:16**
